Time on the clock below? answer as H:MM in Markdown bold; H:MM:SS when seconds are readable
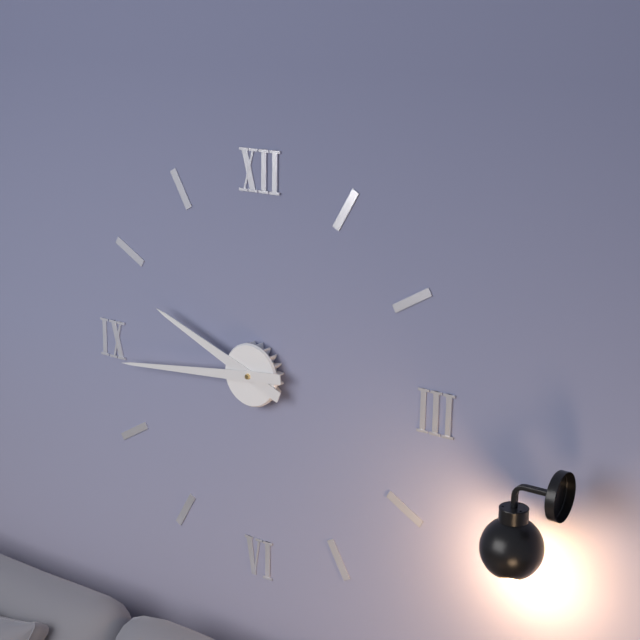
**9:44**
